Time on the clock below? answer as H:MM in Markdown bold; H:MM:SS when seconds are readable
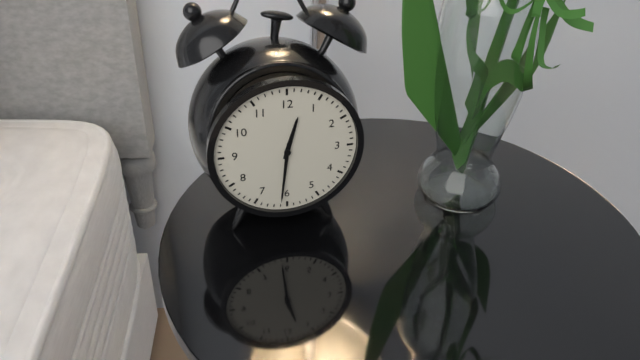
**12:31**
